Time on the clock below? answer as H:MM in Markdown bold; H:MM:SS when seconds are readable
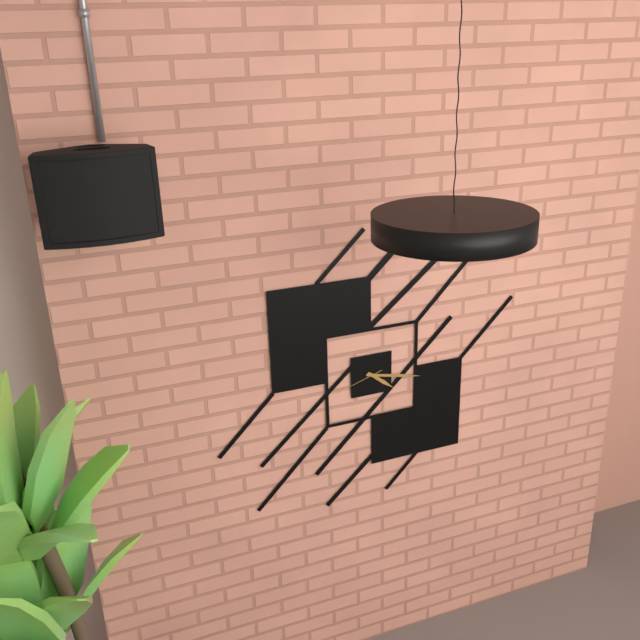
**4:17**
